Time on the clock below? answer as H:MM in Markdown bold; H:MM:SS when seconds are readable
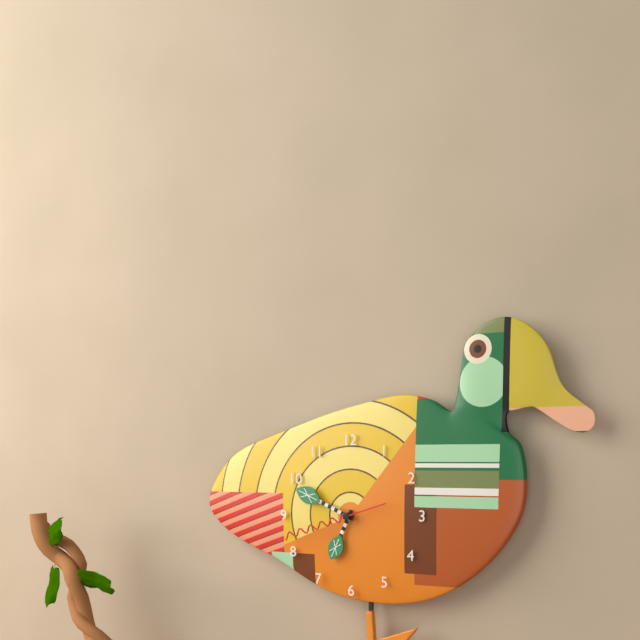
**6:49:42**
